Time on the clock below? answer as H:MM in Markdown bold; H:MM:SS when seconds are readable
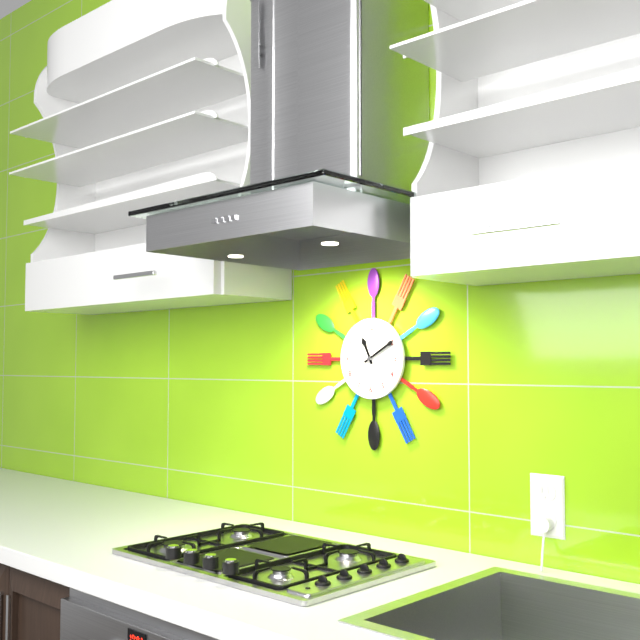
**11:10**
